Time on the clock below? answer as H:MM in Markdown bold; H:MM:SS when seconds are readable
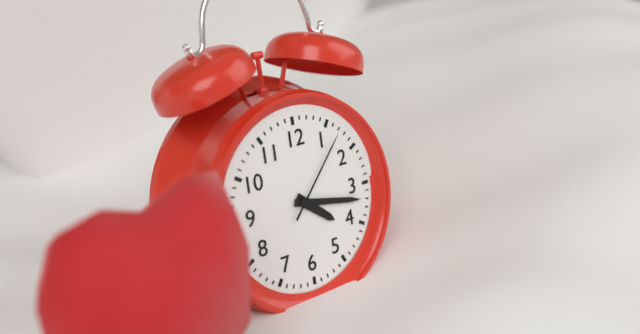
**4:17:07**
